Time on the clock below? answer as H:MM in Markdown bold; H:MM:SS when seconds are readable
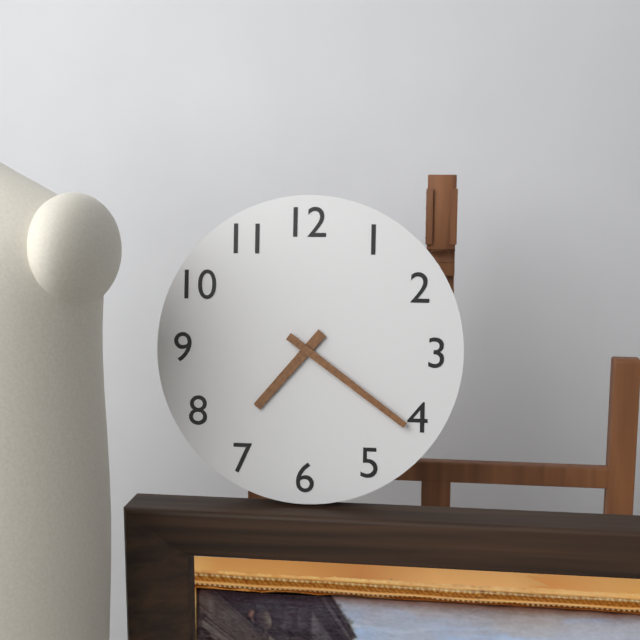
**7:21**
